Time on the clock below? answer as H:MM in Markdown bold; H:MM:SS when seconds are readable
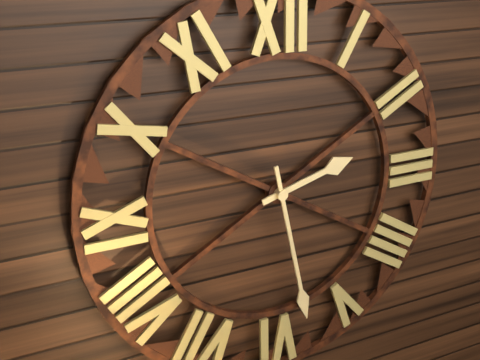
**2:28**
